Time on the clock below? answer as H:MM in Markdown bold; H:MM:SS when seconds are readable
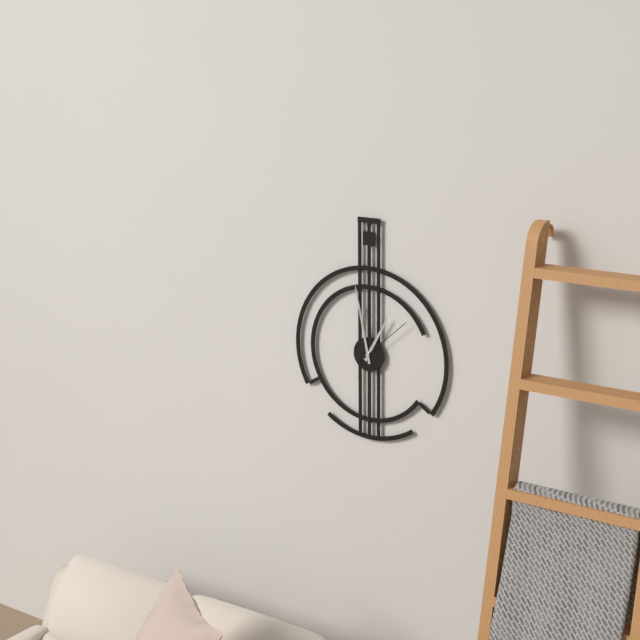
**12:58:08**
